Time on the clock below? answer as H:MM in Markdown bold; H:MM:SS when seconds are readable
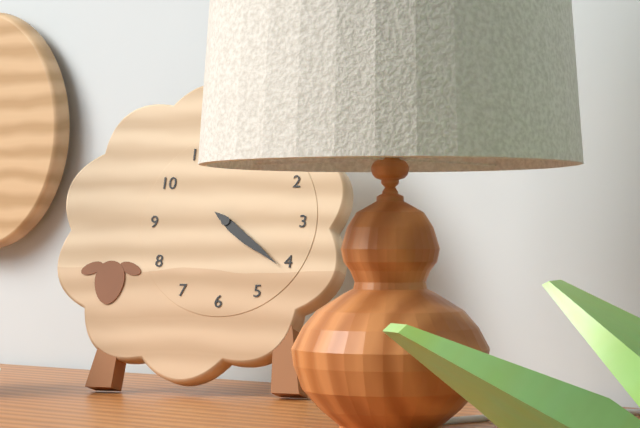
**4:21**
